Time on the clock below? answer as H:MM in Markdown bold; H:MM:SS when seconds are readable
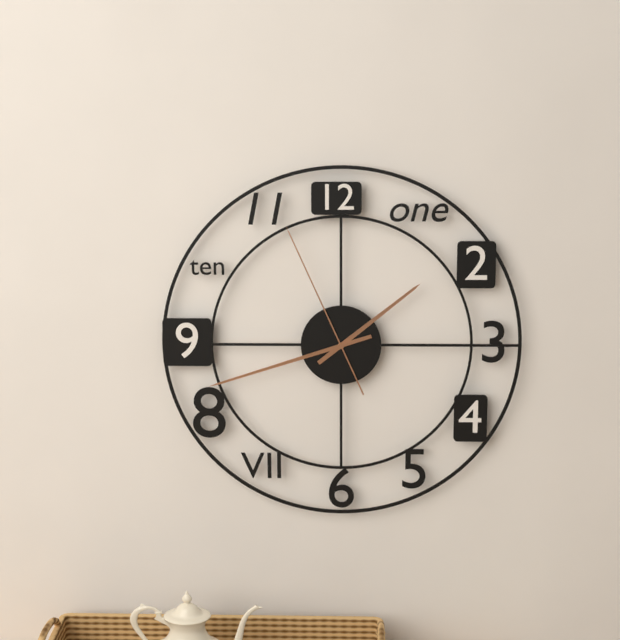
**1:42:56**
